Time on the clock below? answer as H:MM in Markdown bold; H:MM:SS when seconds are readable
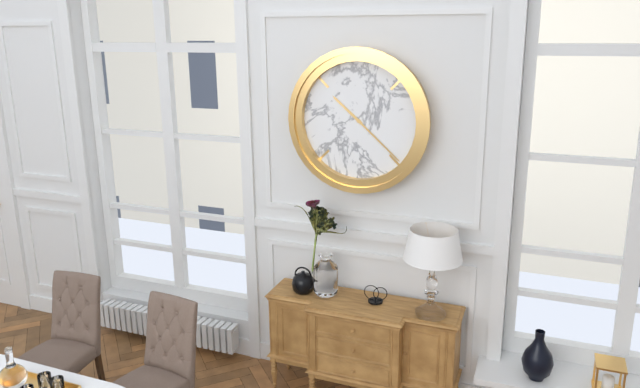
**10:22**
